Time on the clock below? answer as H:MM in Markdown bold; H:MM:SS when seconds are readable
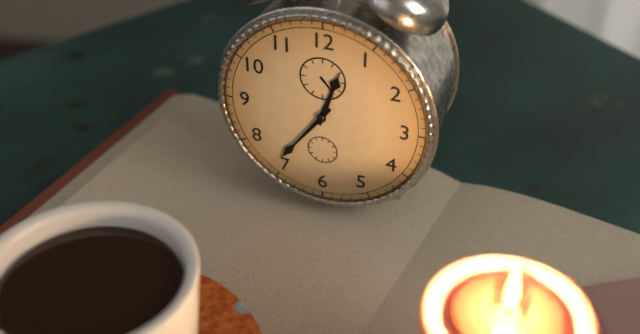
**12:36**
